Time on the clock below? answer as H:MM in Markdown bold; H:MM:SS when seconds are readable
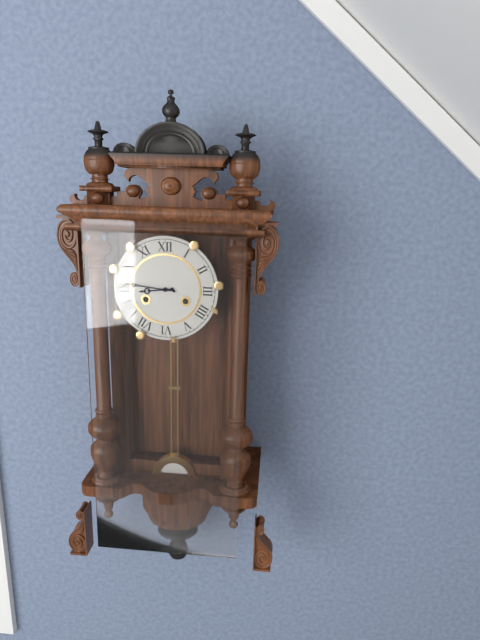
**8:46**
